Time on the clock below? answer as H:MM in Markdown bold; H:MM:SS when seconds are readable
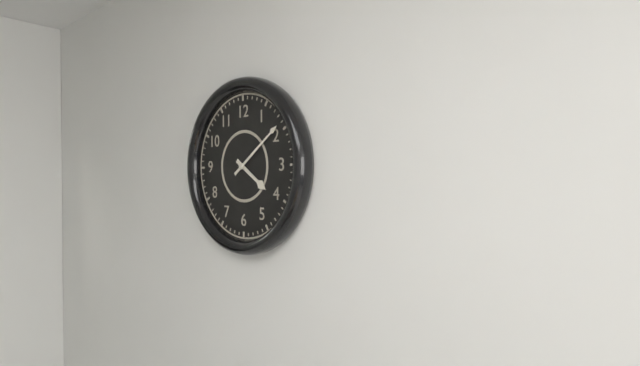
**4:09**
